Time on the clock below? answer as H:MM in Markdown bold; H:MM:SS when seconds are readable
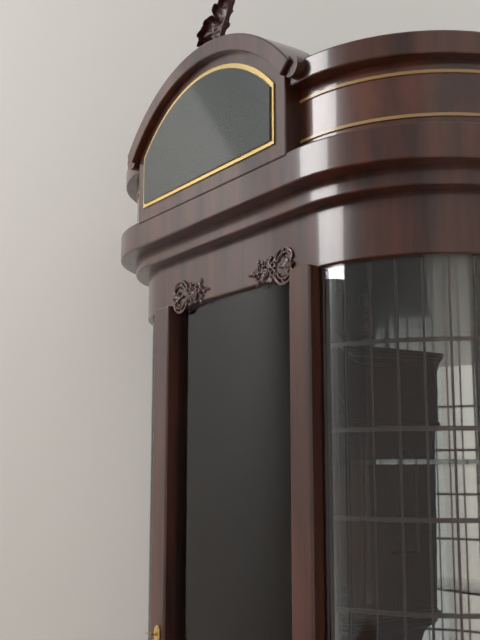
**4:24**
